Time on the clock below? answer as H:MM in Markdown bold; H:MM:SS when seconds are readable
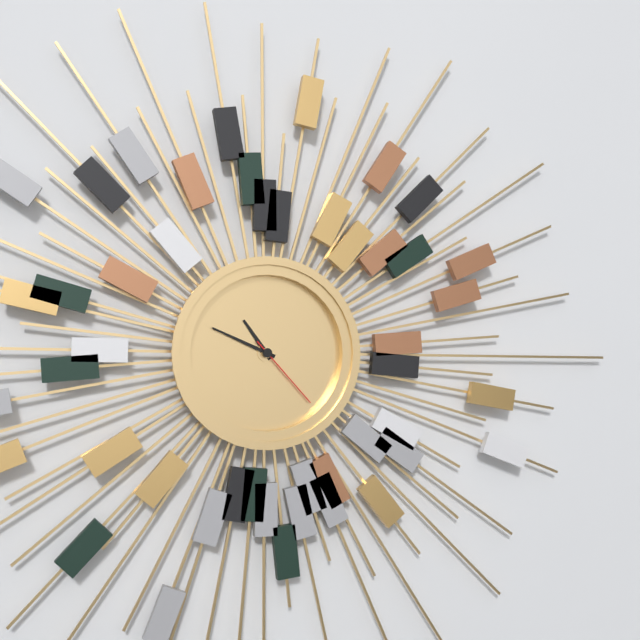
**10:49:23**
